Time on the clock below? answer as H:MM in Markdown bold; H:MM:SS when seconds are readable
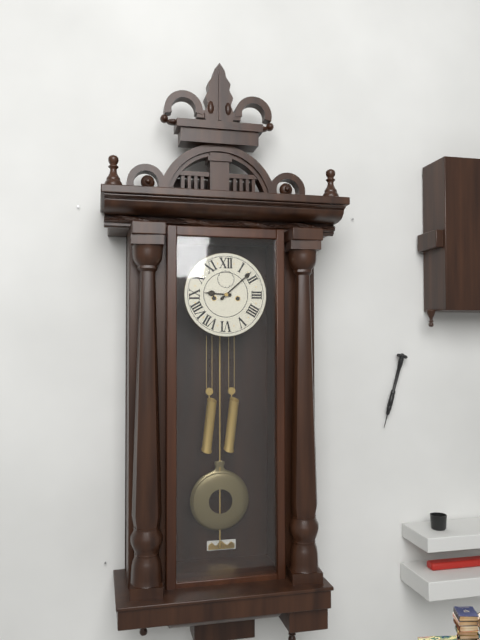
**9:08**
